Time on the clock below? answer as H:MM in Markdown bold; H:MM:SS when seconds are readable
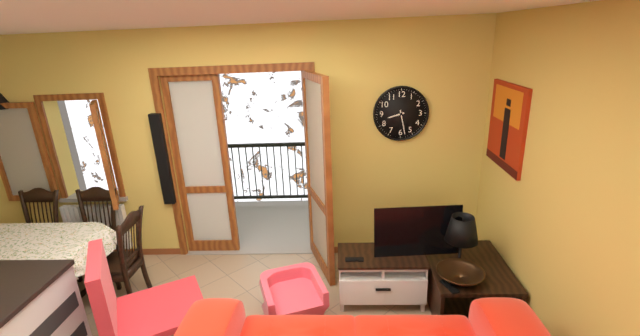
**8:28**
